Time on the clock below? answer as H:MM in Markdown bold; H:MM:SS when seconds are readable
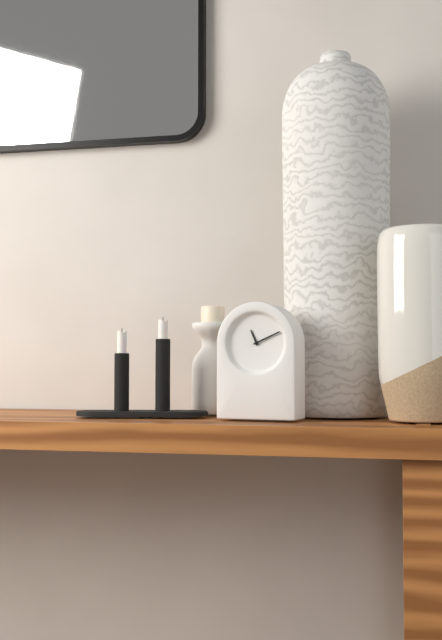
**11:11**
